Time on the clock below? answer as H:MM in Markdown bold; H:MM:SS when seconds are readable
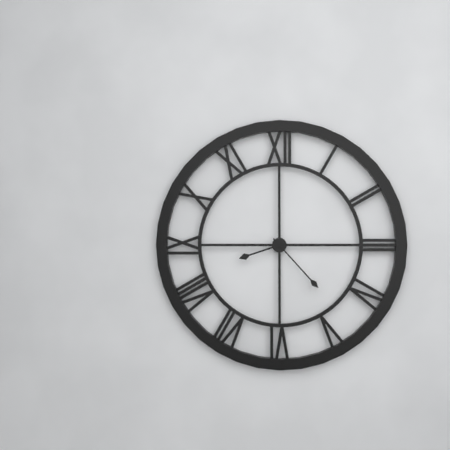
**8:23**
